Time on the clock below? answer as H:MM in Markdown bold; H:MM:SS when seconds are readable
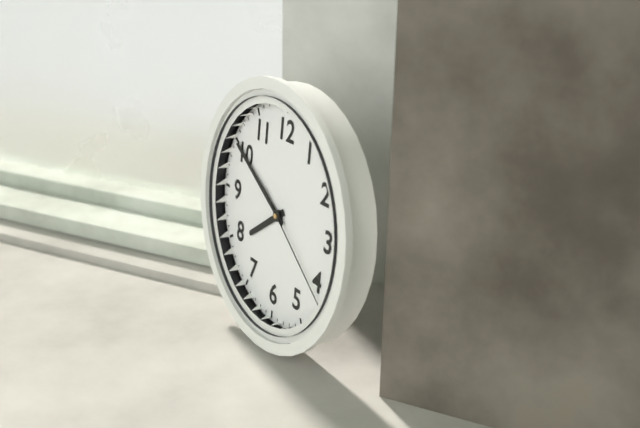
**7:50:21**
